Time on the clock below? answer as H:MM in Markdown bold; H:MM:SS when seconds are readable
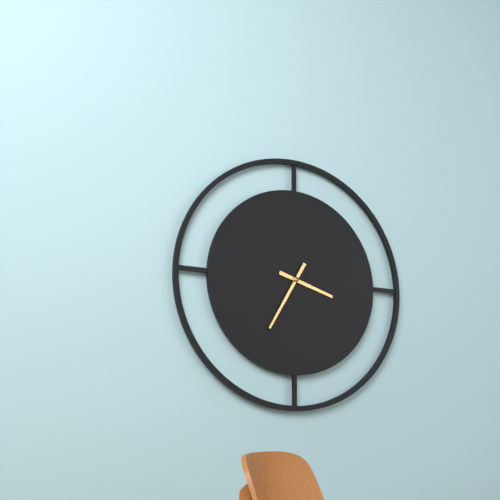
**3:35**
